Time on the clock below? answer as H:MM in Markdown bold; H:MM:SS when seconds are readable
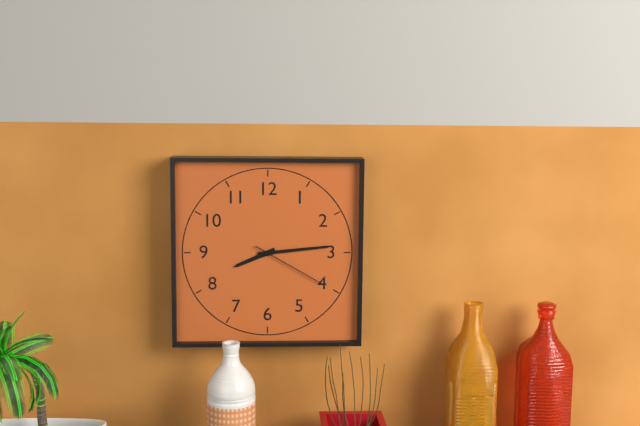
**8:14:20**
